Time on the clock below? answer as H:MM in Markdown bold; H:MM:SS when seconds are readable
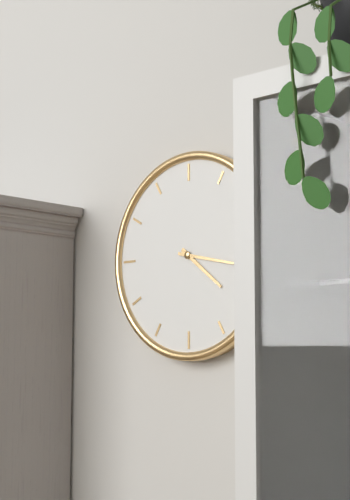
**4:17**
